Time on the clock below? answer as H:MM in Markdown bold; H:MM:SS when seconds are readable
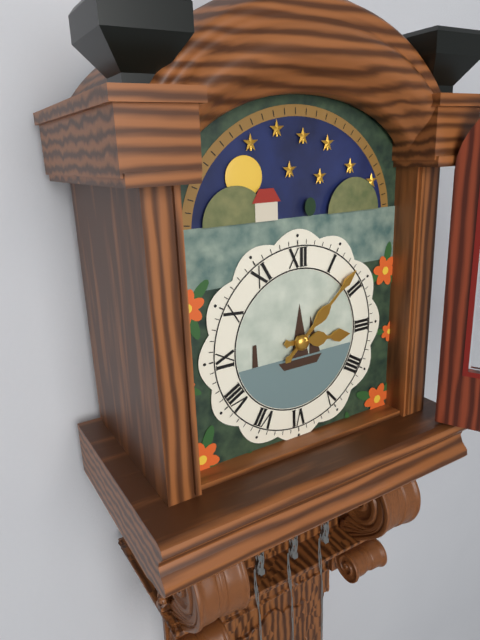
**3:08**
